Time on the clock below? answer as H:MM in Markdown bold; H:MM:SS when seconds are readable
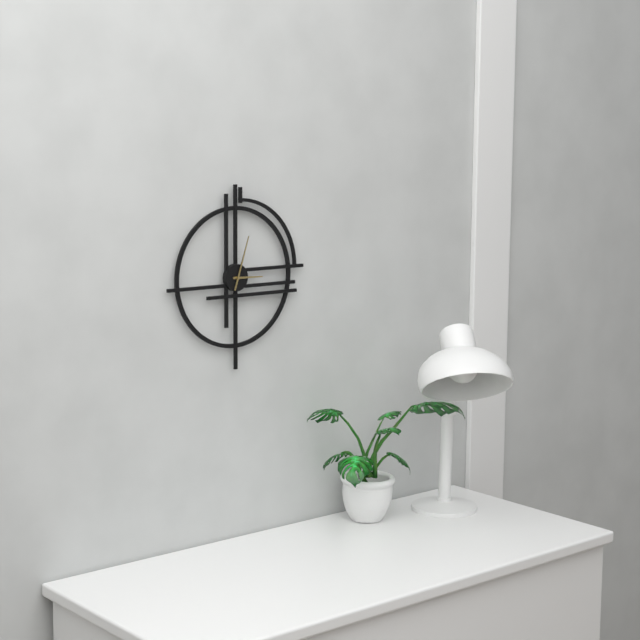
**3:03**
